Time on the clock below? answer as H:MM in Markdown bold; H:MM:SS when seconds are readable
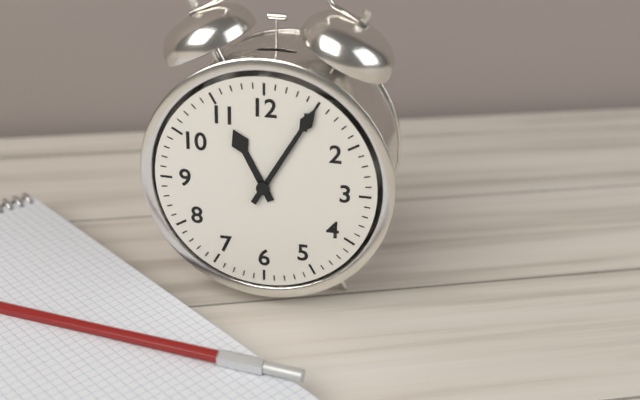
**11:05**
